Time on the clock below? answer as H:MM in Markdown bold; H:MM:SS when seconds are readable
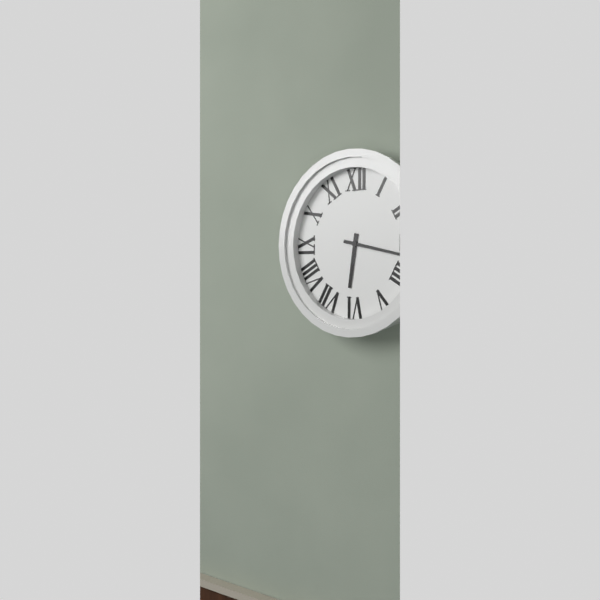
**6:17**
